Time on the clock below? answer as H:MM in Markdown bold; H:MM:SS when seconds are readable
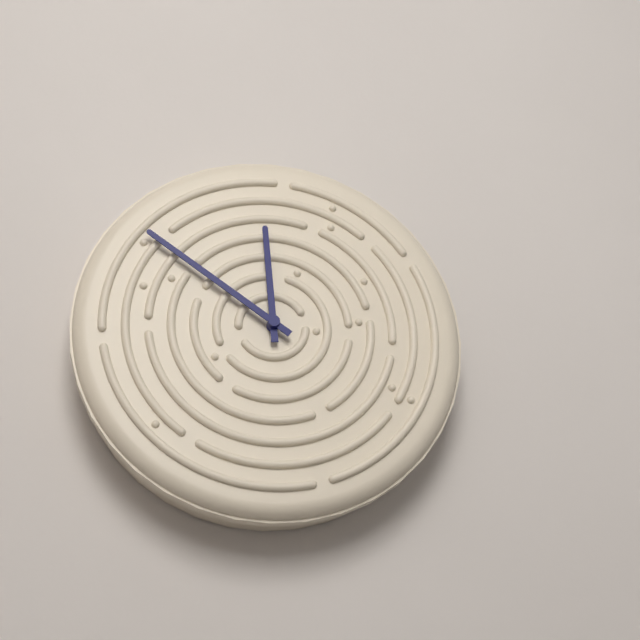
**11:51**
